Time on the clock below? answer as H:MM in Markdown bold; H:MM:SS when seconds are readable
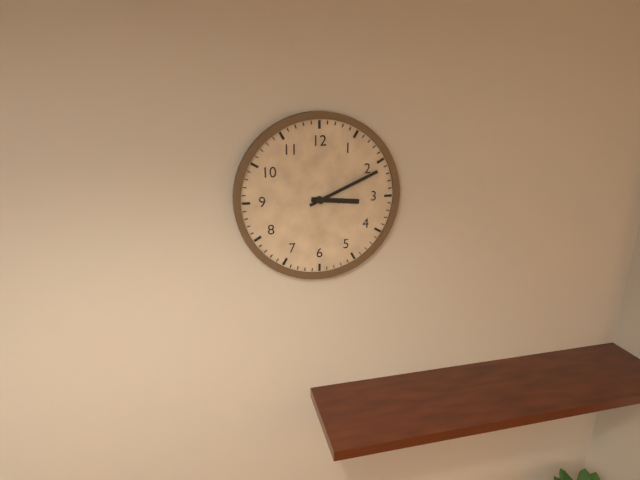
**3:11**
